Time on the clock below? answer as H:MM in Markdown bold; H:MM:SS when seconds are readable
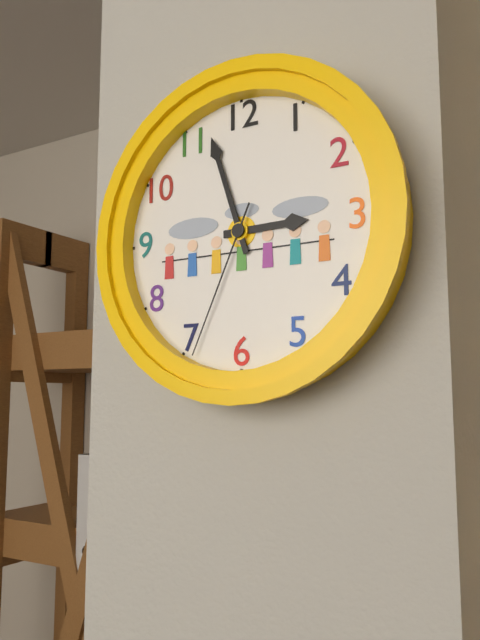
**2:57:34**
